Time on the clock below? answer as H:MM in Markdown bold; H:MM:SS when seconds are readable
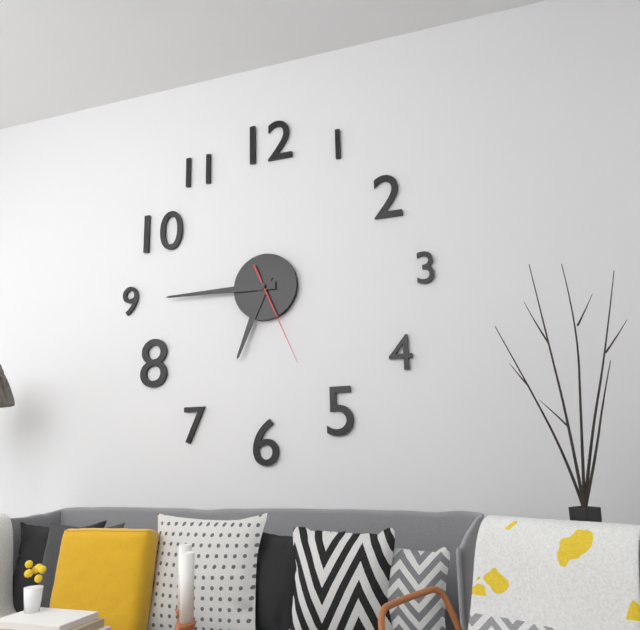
**6:45:26**
